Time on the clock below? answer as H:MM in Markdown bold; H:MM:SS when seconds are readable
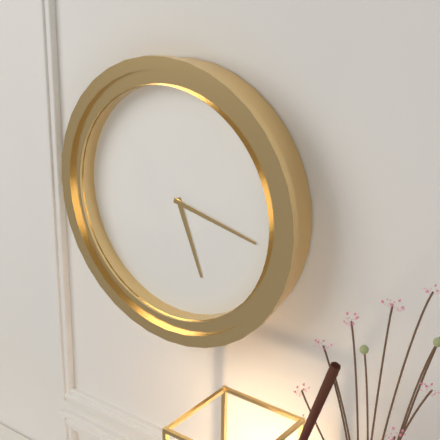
**5:17**
